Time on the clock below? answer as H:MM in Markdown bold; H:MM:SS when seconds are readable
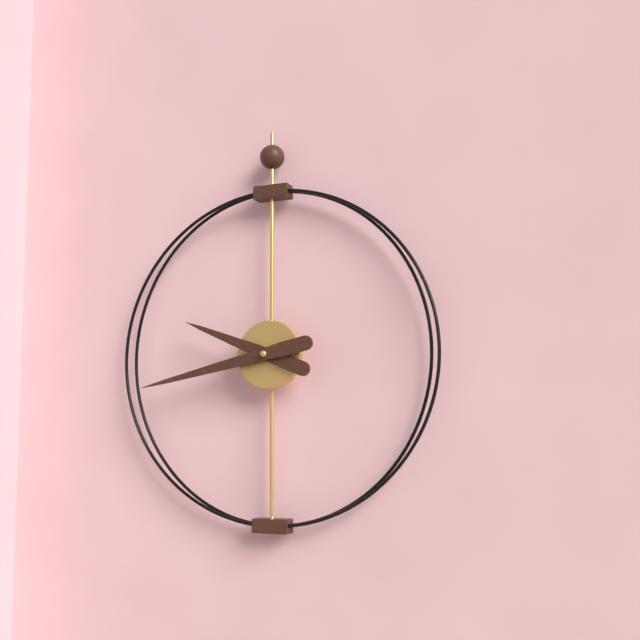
**9:43**
